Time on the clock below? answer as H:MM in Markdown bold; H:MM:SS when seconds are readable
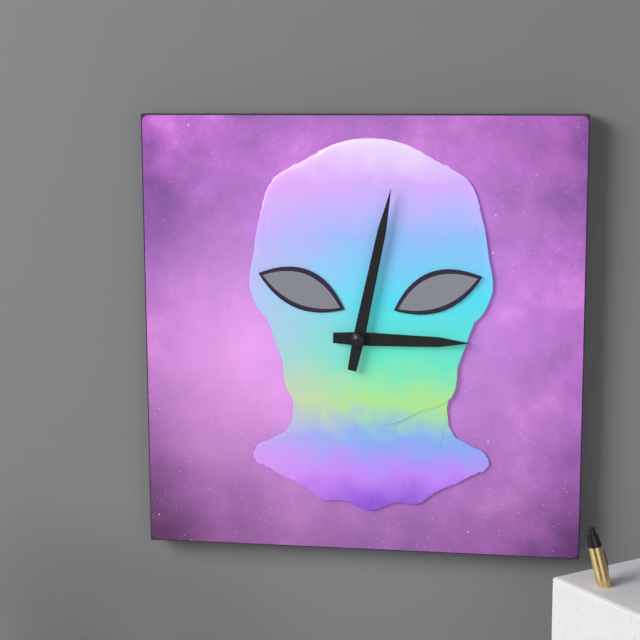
**3:02**
